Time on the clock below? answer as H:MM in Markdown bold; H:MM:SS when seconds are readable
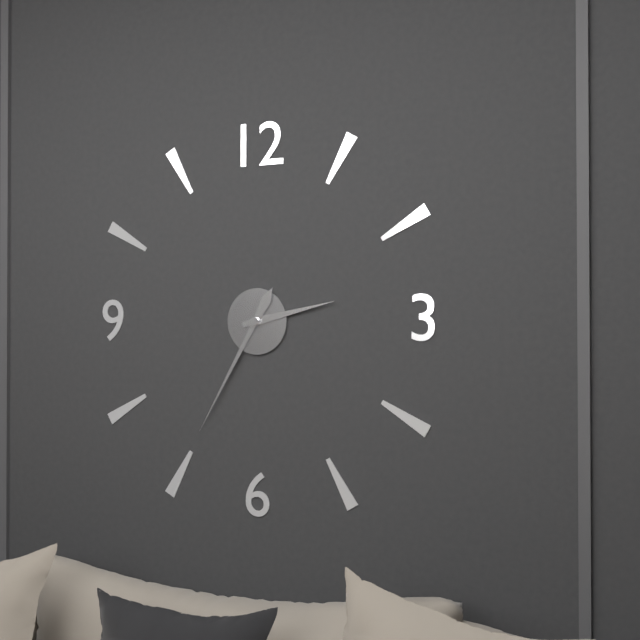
**2:35**
